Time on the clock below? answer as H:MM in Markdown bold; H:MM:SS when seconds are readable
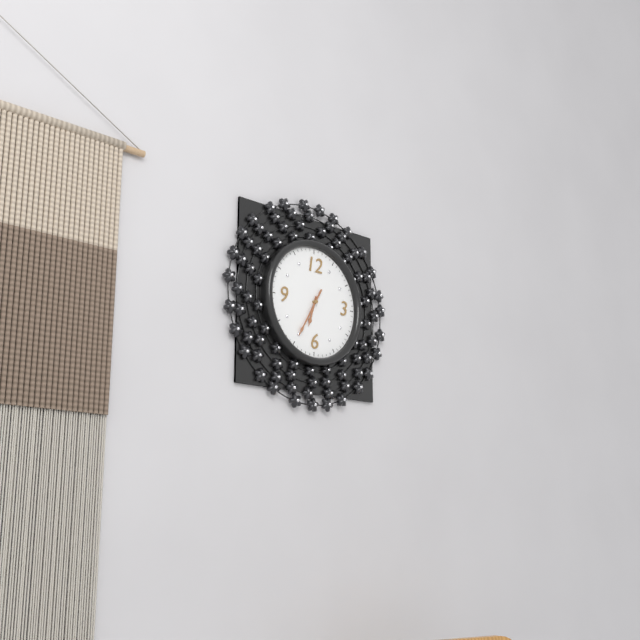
**6:35**
